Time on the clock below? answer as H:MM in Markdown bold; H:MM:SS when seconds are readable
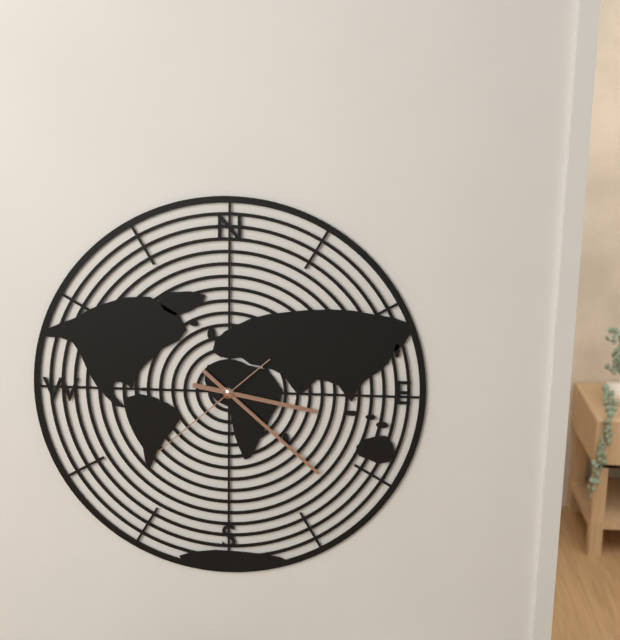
**3:22:38**
